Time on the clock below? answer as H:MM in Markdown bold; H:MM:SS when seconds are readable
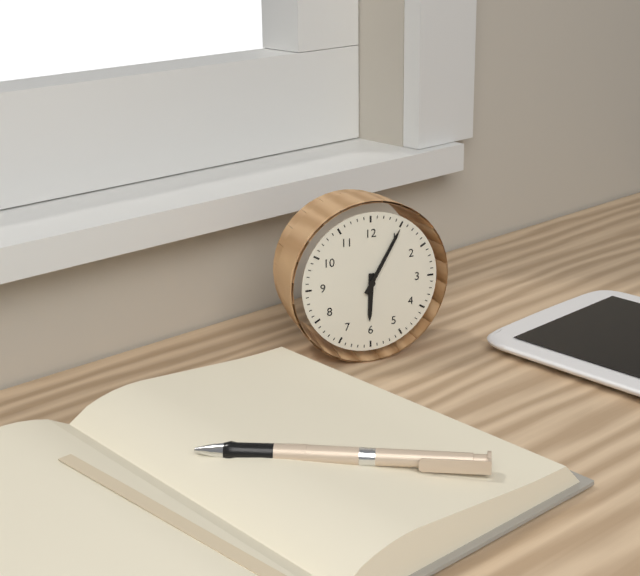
**6:05**
